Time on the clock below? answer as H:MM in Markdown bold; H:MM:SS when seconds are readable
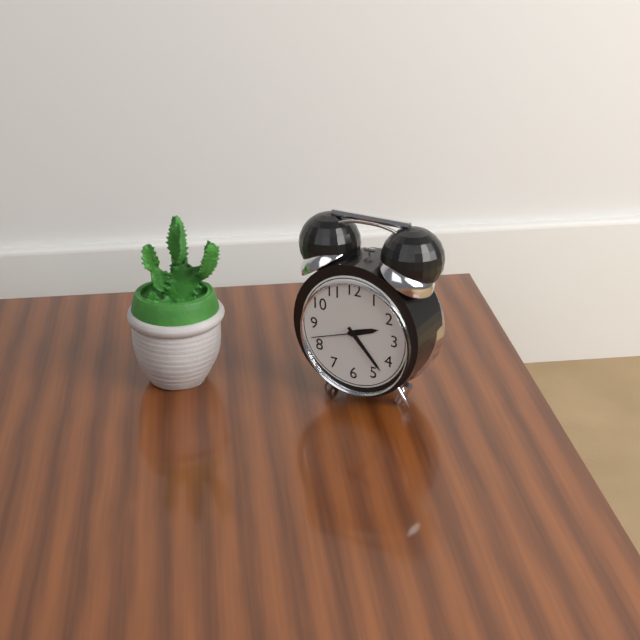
**2:23:42**
